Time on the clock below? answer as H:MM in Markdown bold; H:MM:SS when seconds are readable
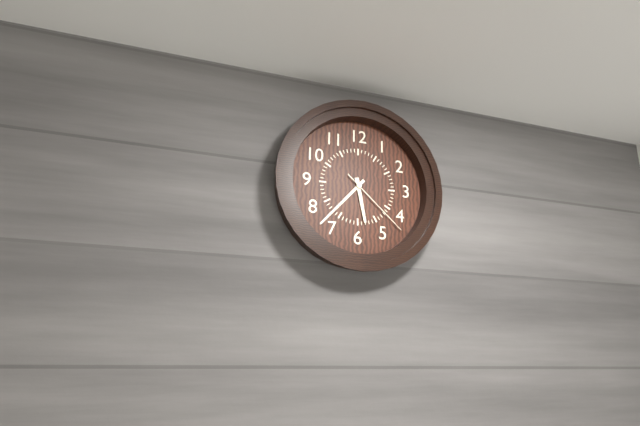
**5:37:22**
